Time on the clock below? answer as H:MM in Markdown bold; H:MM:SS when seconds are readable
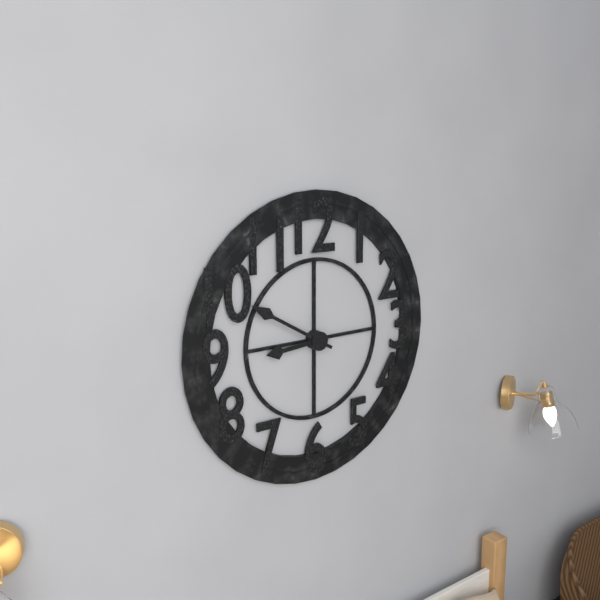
**8:50**
